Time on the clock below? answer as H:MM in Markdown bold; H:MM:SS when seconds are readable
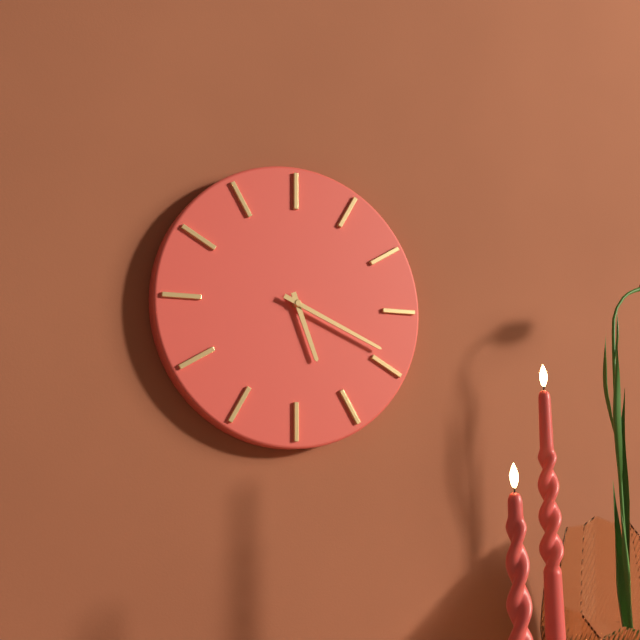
**5:19**
